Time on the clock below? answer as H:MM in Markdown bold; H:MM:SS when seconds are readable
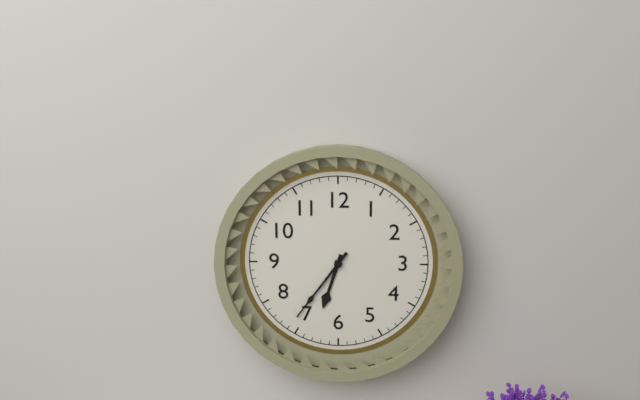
**6:36**
